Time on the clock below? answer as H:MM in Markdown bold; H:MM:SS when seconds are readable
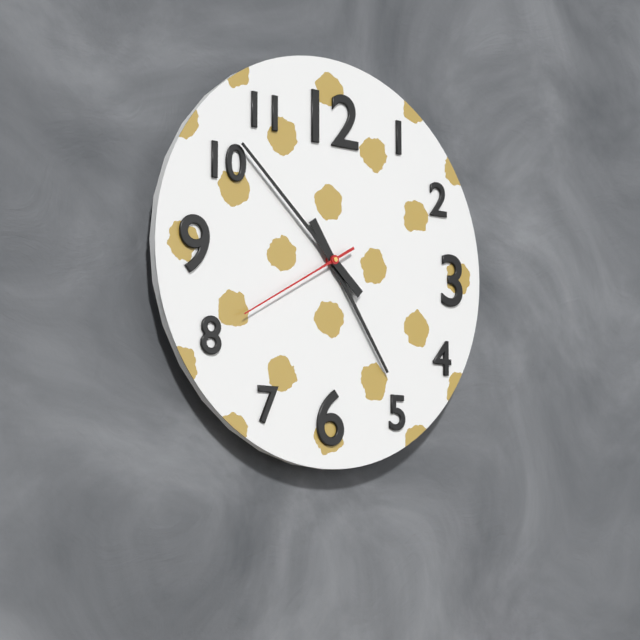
**4:52:40**
